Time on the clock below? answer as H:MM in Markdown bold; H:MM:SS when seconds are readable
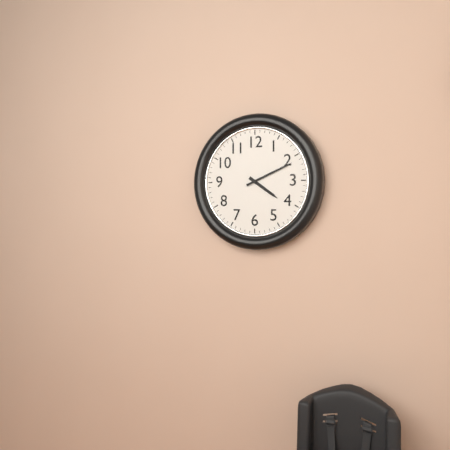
**4:11**
